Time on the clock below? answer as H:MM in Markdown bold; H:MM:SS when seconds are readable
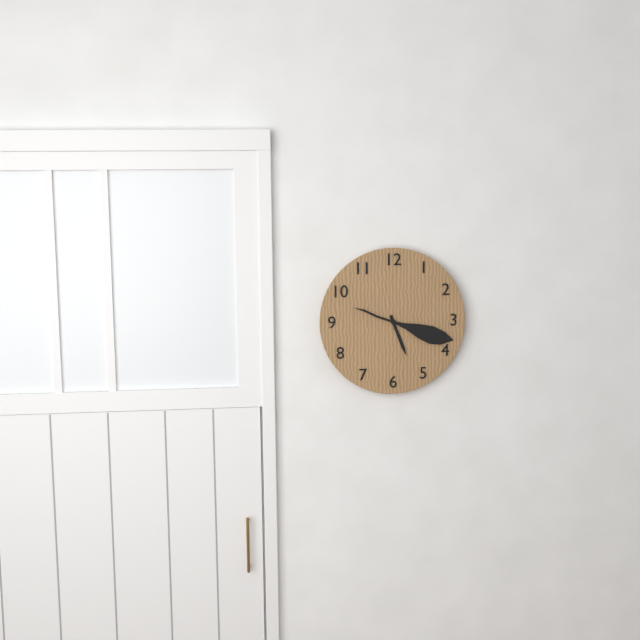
**5:18**
